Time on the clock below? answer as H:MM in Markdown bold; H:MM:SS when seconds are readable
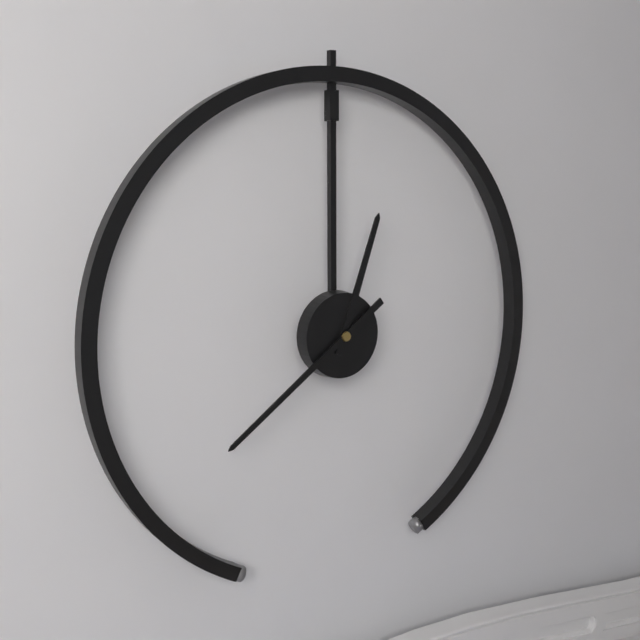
**12:39**
